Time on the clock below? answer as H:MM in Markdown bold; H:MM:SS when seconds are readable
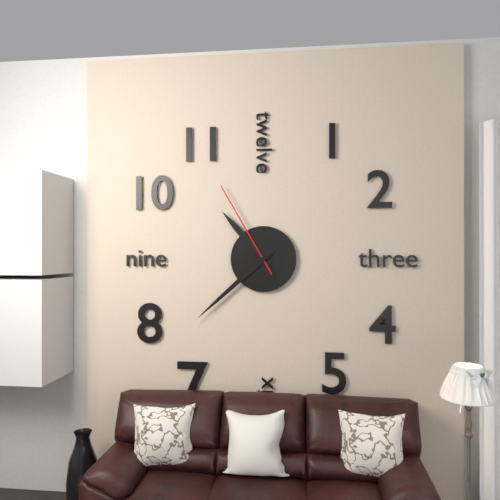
**10:38:55**
